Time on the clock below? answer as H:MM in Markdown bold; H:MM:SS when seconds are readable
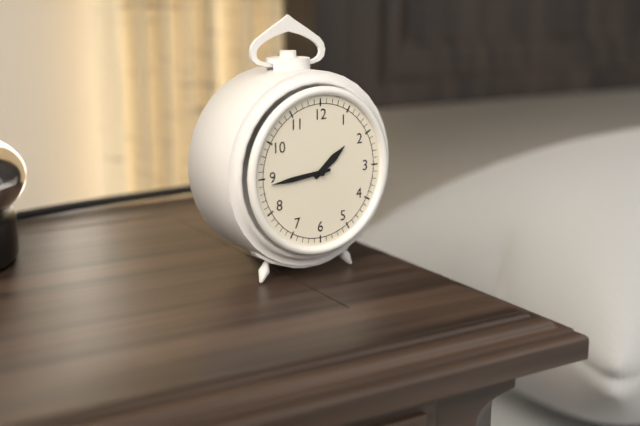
**1:44**
